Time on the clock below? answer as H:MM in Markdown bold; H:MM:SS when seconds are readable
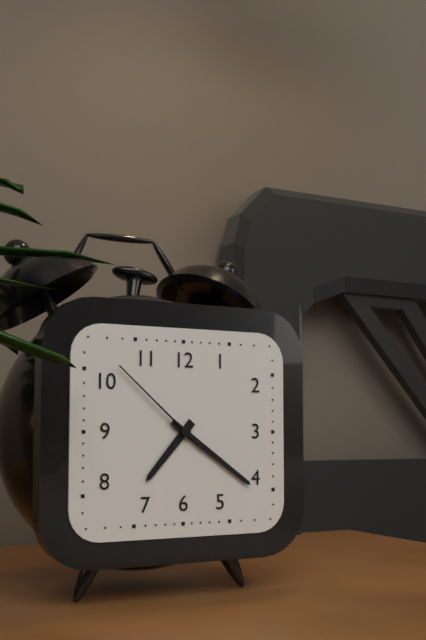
**7:21:52**
